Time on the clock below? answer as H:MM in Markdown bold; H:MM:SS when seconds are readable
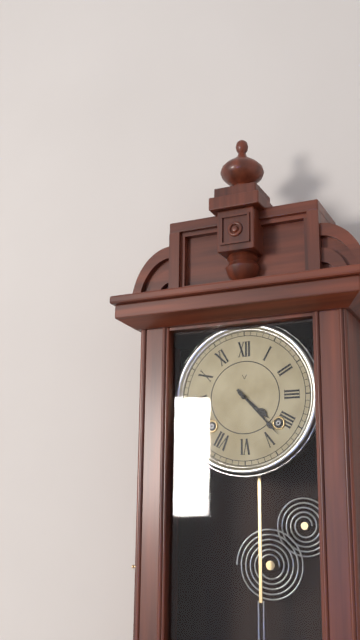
**4:23**
